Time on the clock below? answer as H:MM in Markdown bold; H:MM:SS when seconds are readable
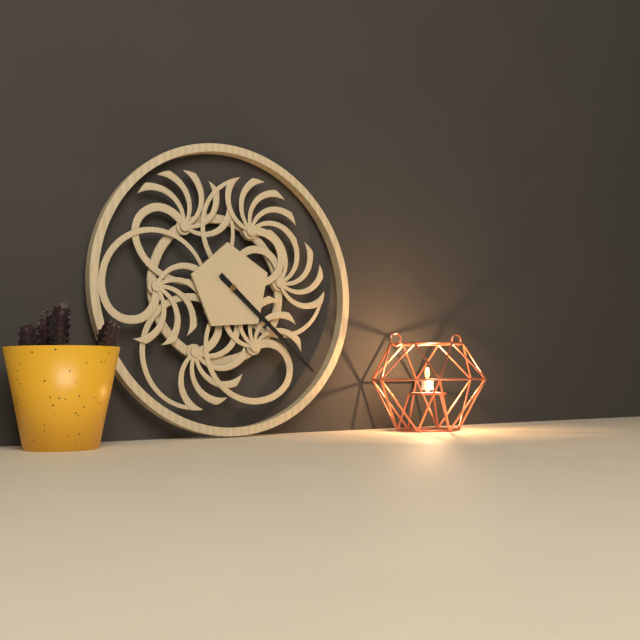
**4:22**
